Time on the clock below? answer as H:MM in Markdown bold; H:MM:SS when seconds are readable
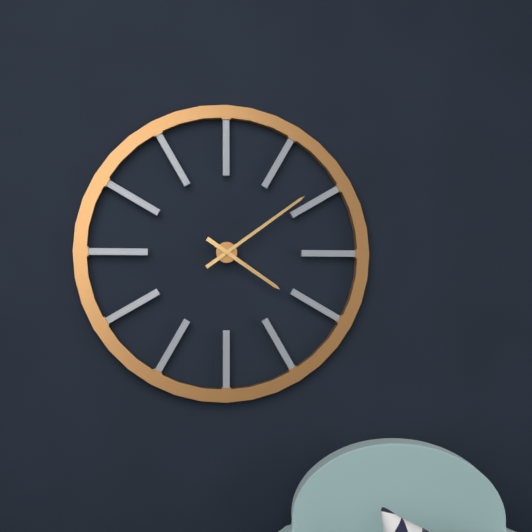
**4:09**
